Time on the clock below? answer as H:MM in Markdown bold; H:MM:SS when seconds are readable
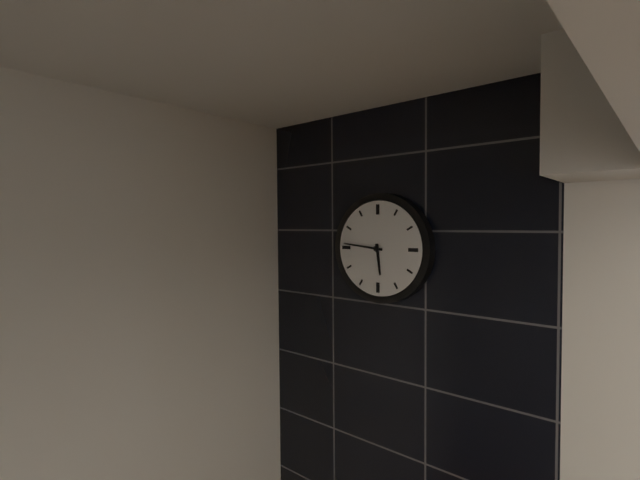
**5:46**
